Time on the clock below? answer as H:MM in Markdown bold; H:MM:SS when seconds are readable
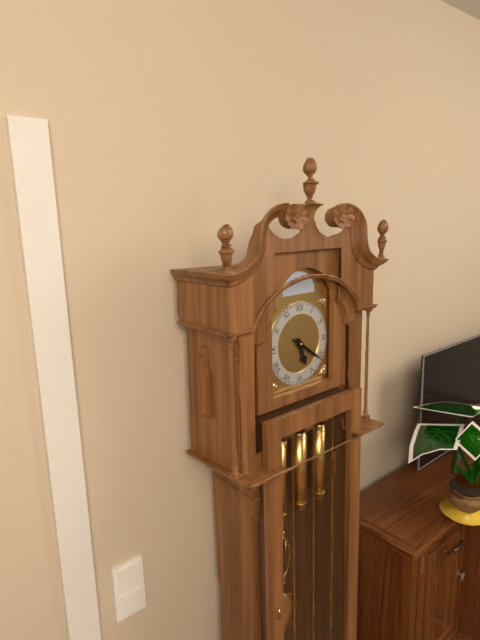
**5:21**
